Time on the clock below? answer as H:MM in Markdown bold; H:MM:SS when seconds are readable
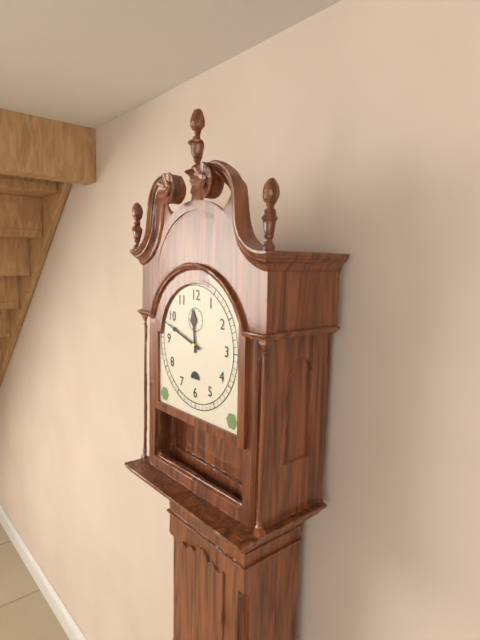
**11:48**
